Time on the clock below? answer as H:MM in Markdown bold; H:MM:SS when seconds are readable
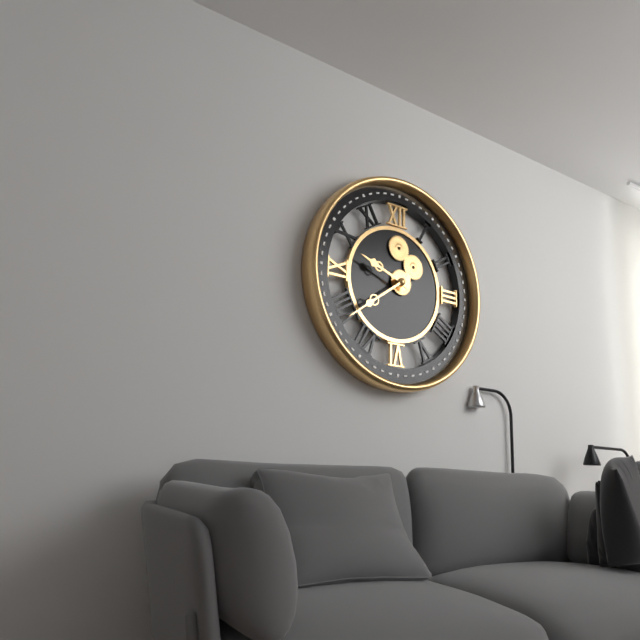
**9:39**
